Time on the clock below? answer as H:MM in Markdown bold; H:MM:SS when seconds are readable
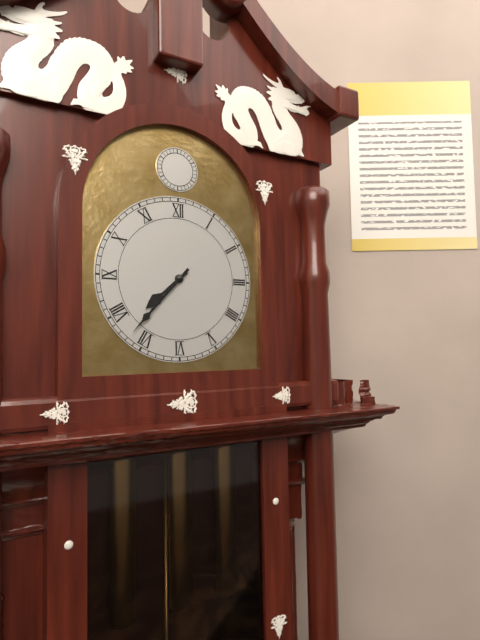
**7:37**
